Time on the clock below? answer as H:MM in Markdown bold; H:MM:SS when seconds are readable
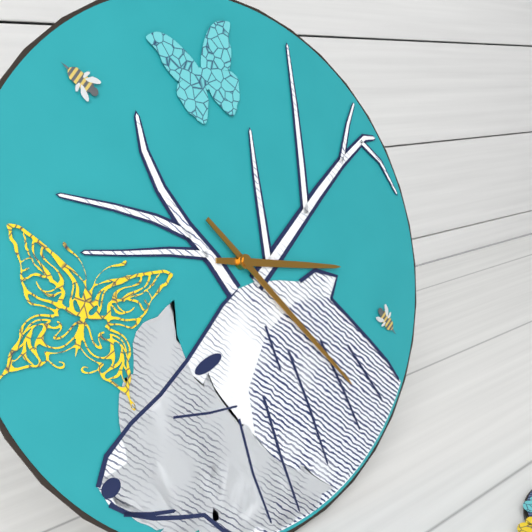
**3:24**
